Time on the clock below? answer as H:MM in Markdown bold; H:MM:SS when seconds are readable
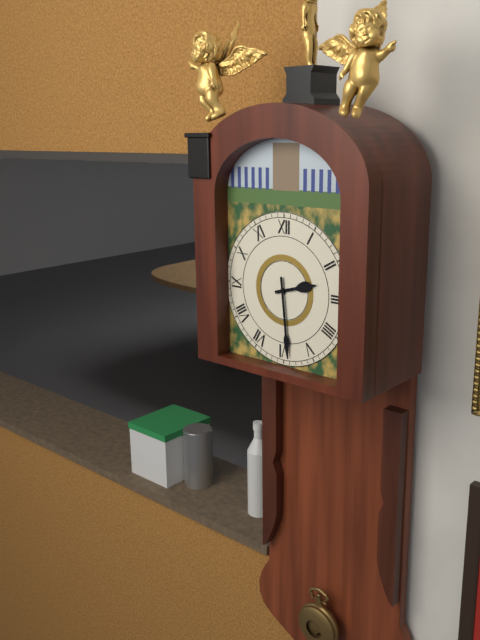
**2:29**
